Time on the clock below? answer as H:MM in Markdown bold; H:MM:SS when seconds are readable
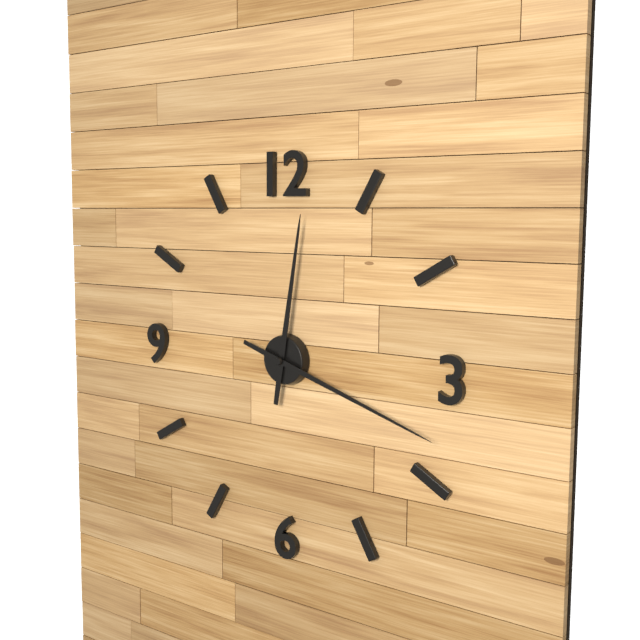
**12:18**
